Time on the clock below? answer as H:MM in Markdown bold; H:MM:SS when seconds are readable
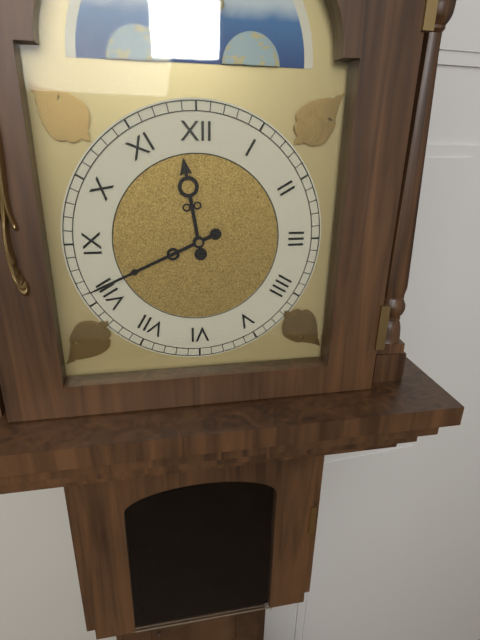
**11:41**
